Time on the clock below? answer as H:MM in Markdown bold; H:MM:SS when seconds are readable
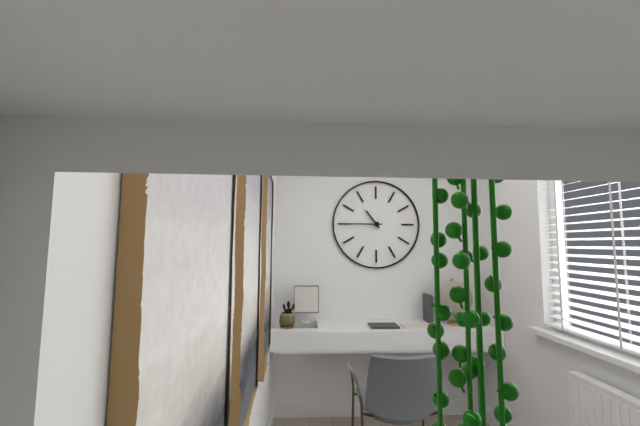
**10:45**
